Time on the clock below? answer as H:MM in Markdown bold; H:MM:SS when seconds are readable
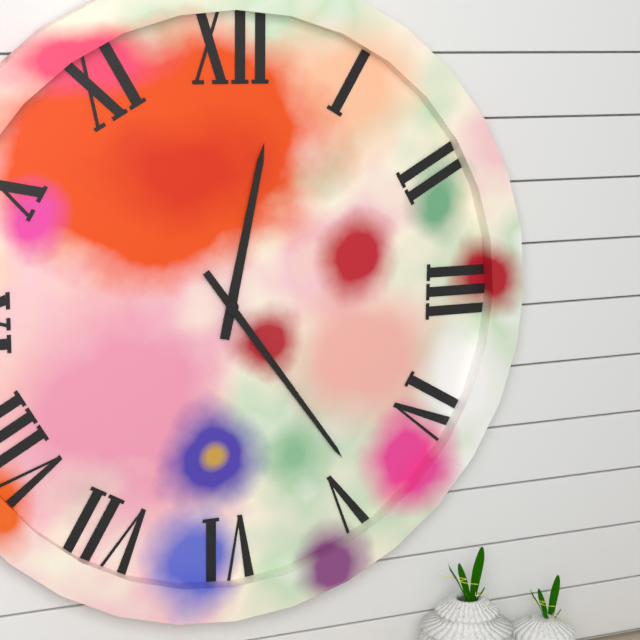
**12:24**
